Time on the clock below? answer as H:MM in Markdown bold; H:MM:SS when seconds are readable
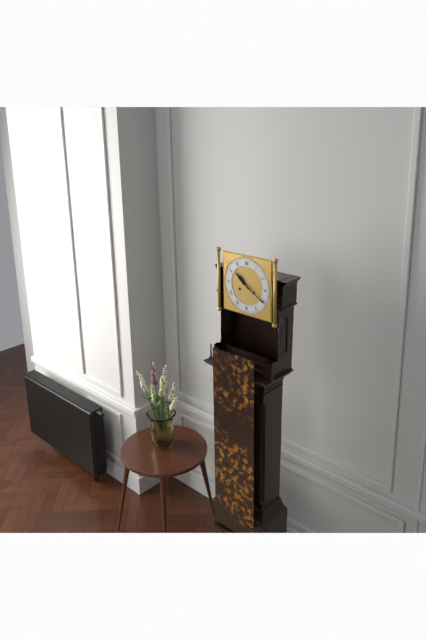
**10:20**
